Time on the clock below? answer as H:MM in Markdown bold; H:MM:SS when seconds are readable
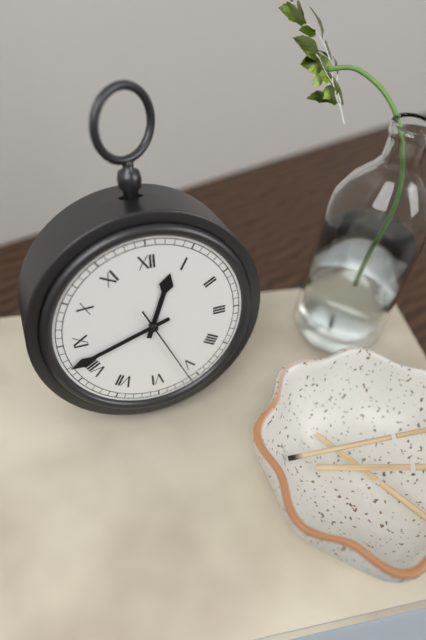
**12:42:26**
